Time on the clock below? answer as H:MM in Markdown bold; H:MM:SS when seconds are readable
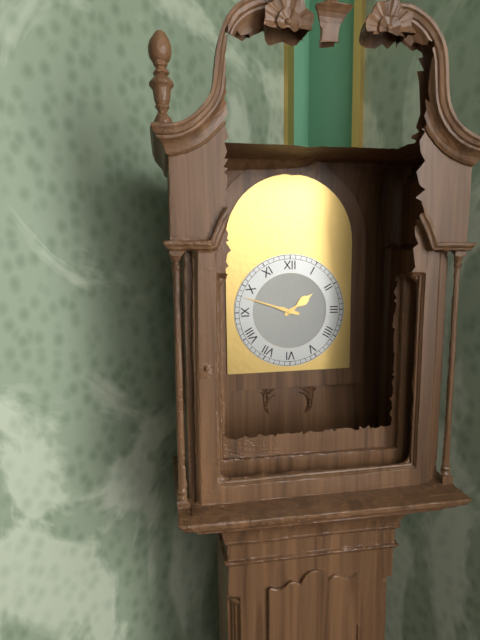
**1:48**
